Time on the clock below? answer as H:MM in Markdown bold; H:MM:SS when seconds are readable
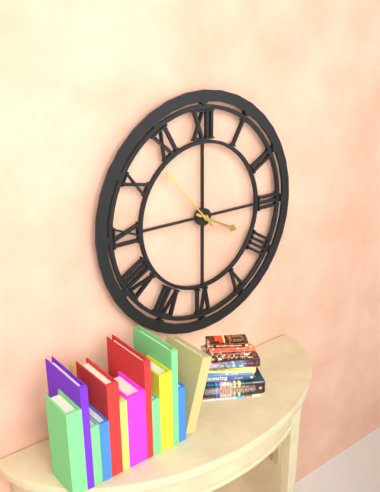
**3:53**
